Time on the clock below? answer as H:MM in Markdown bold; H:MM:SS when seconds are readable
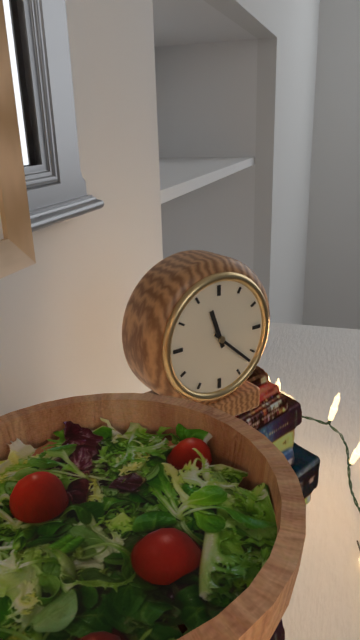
**11:22**
